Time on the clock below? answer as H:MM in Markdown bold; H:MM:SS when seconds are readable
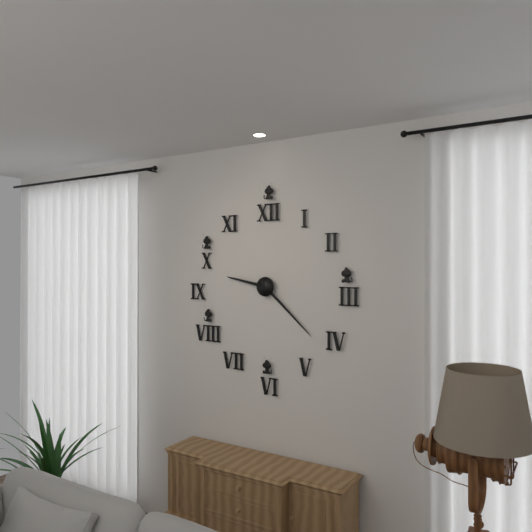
**9:22**
